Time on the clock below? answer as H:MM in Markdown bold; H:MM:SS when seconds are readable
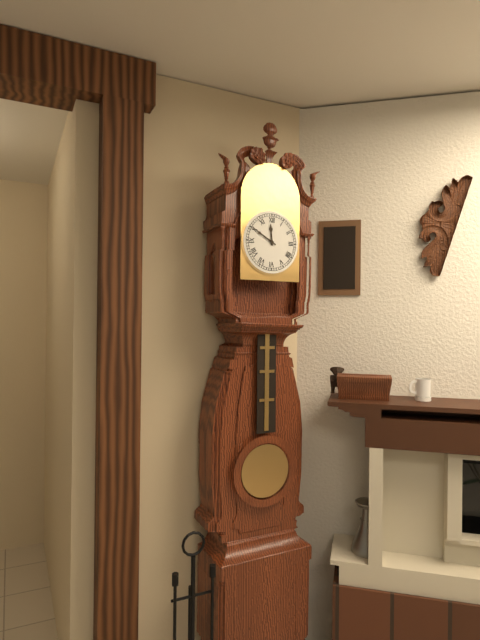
**11:50**
